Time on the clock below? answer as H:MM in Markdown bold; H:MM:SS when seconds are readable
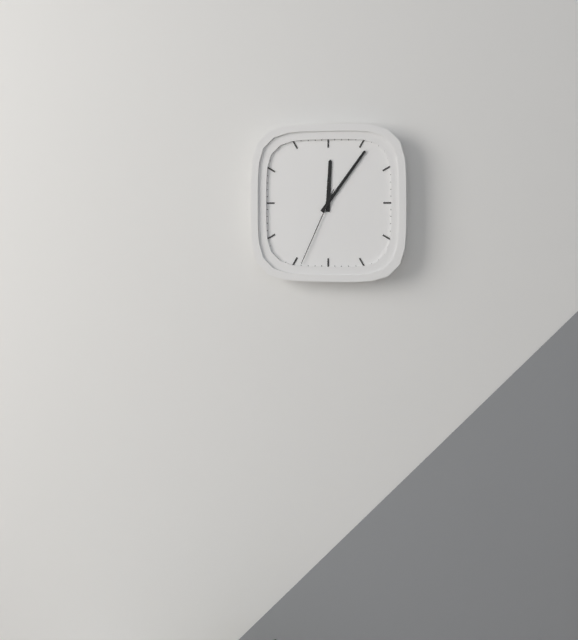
**12:06:34**
